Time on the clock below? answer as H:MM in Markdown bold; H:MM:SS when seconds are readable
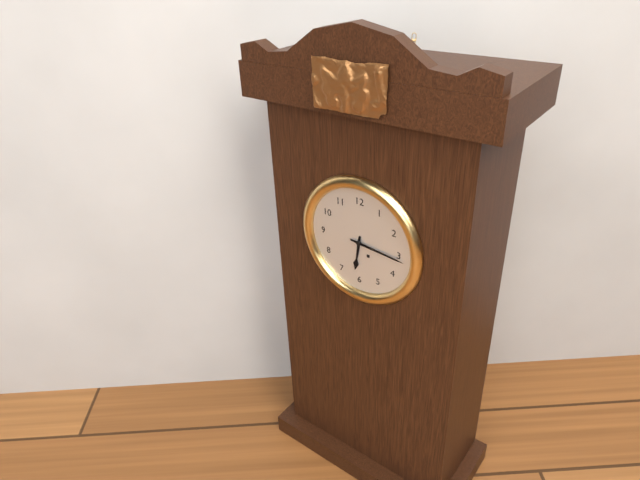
**6:16**
